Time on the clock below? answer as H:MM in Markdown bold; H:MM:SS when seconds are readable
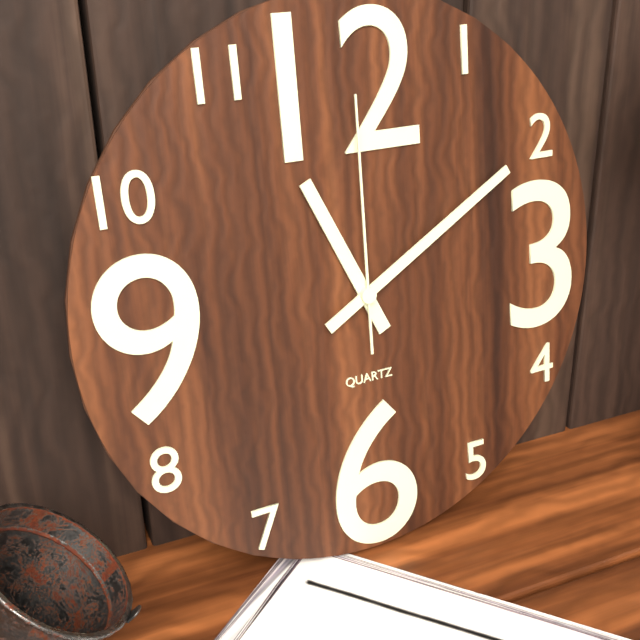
**11:10:00**
